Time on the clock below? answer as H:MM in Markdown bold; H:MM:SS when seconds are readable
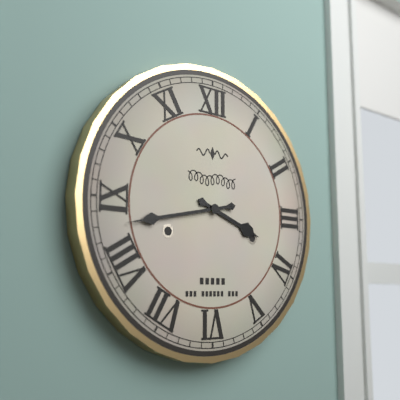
**3:43**
